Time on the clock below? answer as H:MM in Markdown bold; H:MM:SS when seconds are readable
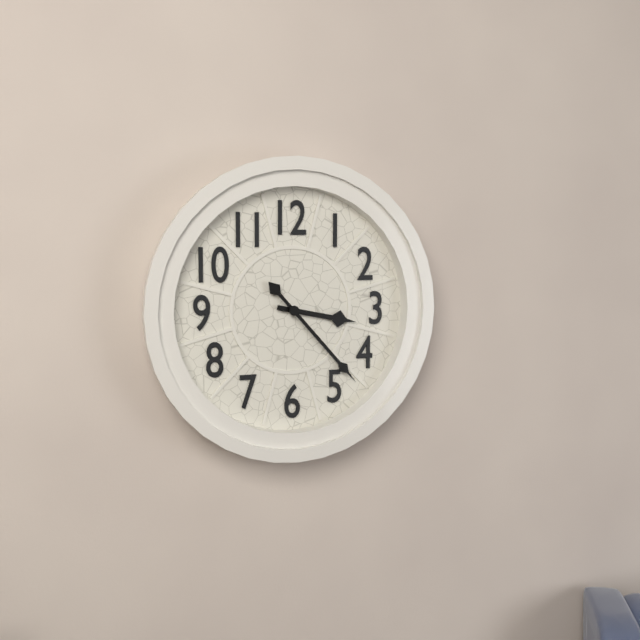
**3:23**
